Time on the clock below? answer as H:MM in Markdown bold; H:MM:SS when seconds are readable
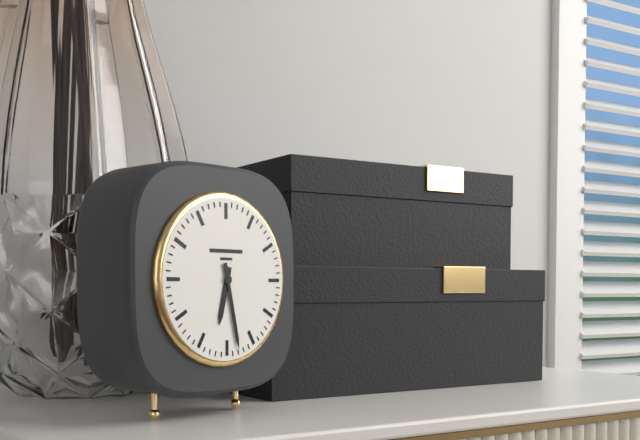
**6:28**
